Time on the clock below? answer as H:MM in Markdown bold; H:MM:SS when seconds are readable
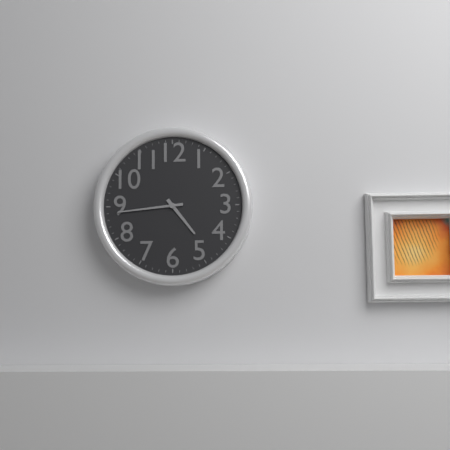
**4:44**
